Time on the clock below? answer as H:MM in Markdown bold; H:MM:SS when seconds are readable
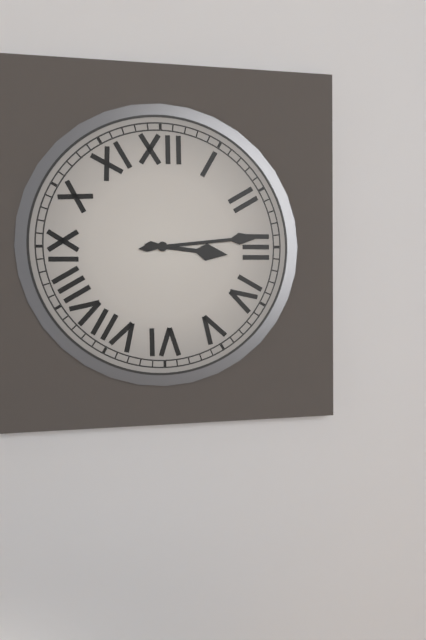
**3:14**
